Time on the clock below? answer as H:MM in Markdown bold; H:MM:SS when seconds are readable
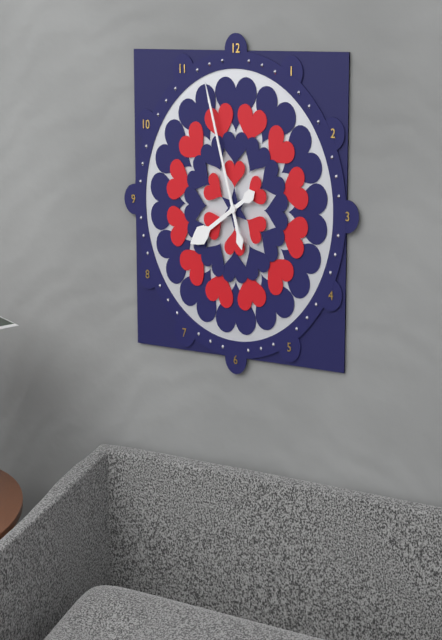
**7:57**
